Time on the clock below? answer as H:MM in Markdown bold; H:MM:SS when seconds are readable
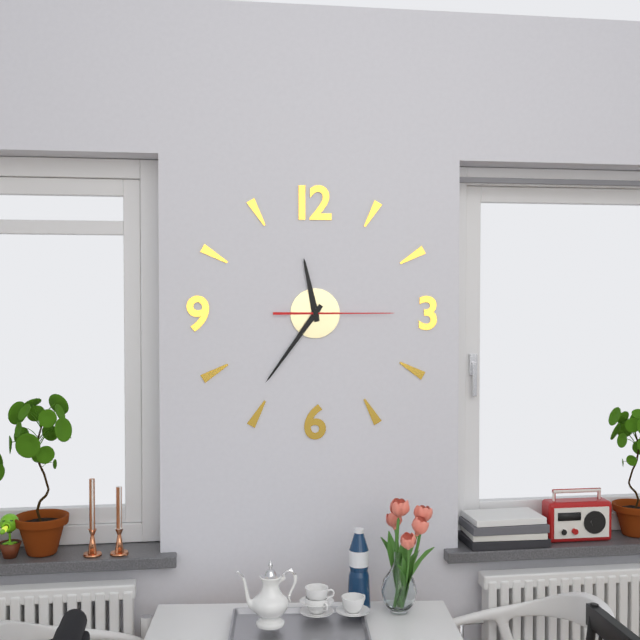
**11:36:15**
